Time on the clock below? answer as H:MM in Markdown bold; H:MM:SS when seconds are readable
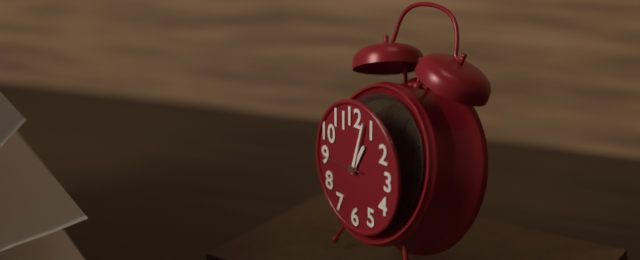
**1:03**
